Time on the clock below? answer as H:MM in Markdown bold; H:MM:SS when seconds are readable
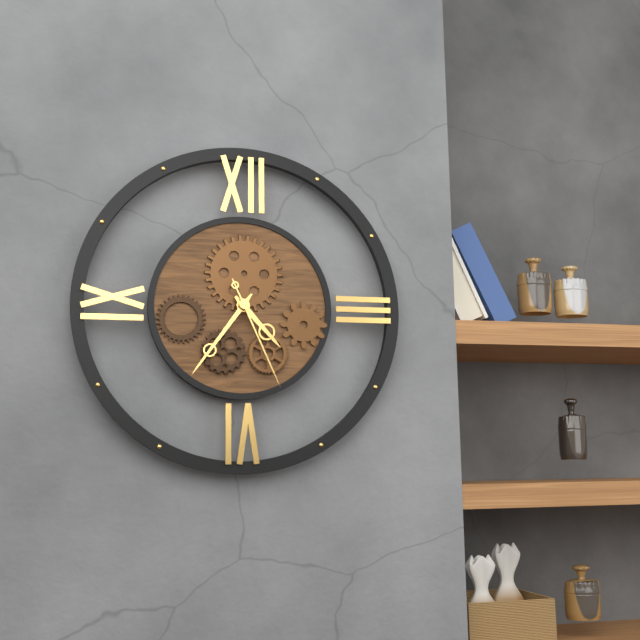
**4:36:26**
